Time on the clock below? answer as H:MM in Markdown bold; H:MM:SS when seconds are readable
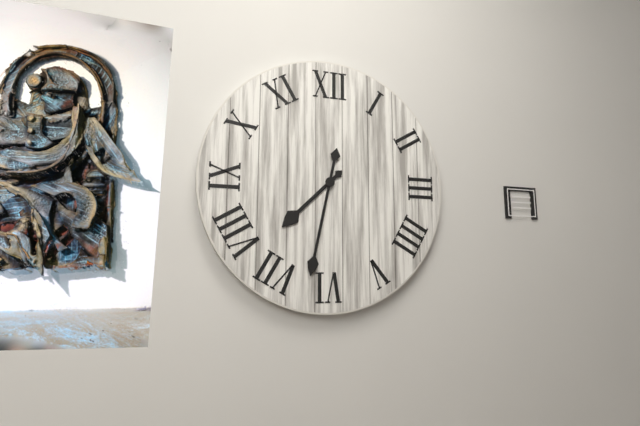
**7:32**
